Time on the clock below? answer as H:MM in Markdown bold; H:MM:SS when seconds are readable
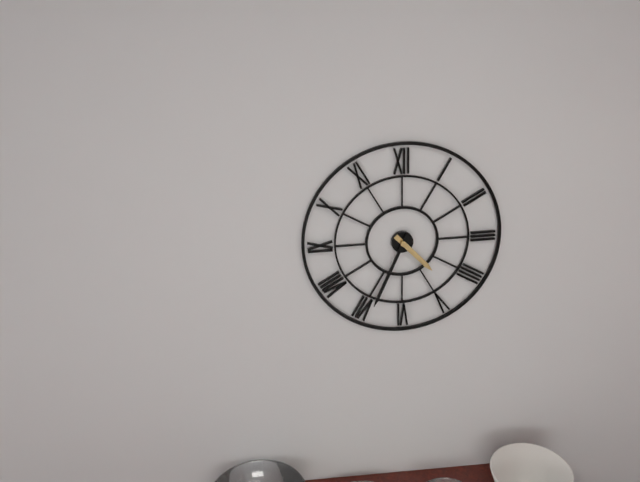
**4:34**
